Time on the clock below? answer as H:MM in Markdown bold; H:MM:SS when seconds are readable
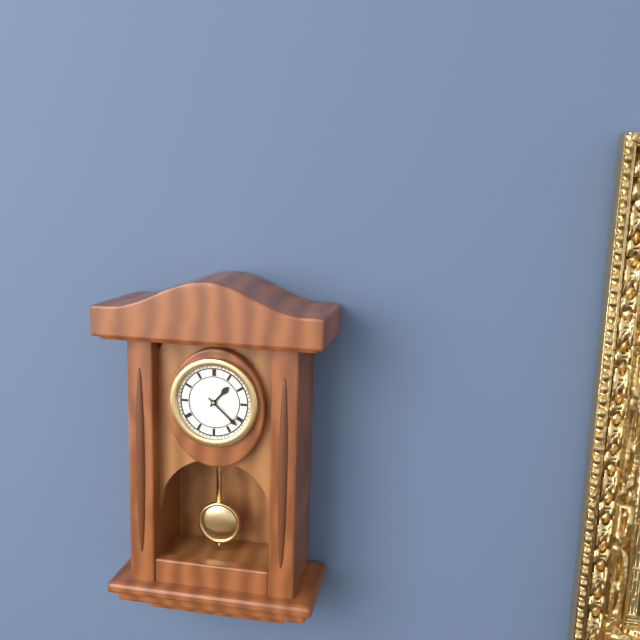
**1:22**
